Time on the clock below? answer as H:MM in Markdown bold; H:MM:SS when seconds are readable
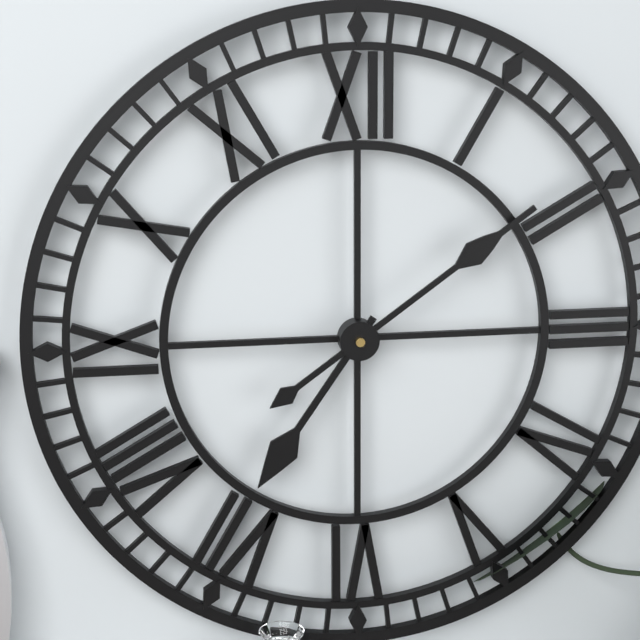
**7:09**
